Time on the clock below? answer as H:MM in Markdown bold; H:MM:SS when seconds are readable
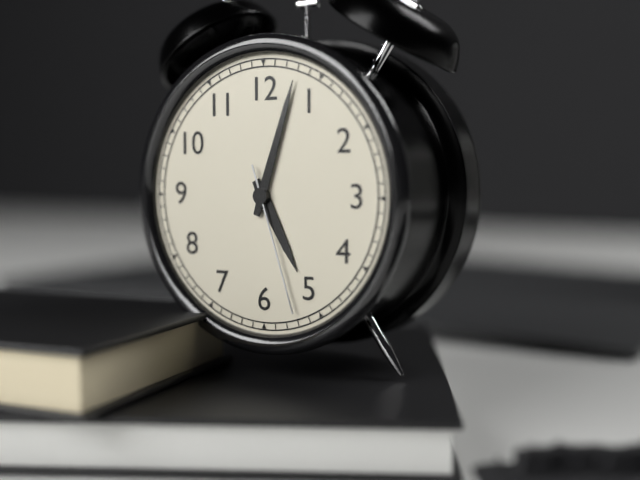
**5:03:27**
